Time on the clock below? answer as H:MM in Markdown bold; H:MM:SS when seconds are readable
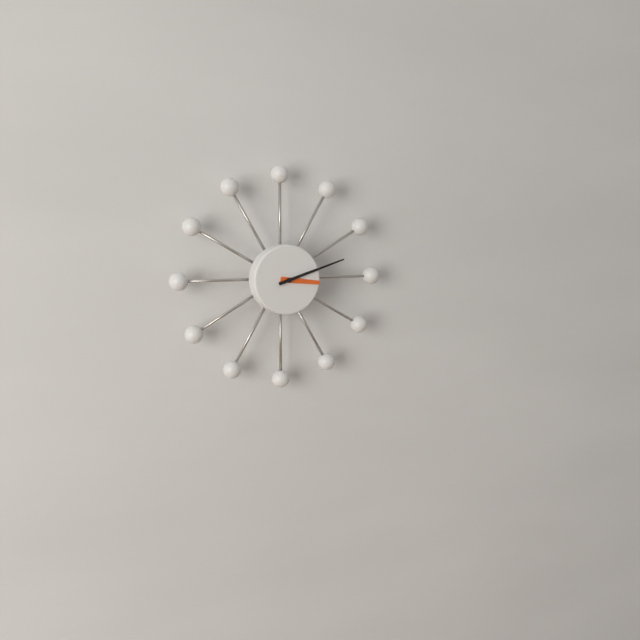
**3:12**
